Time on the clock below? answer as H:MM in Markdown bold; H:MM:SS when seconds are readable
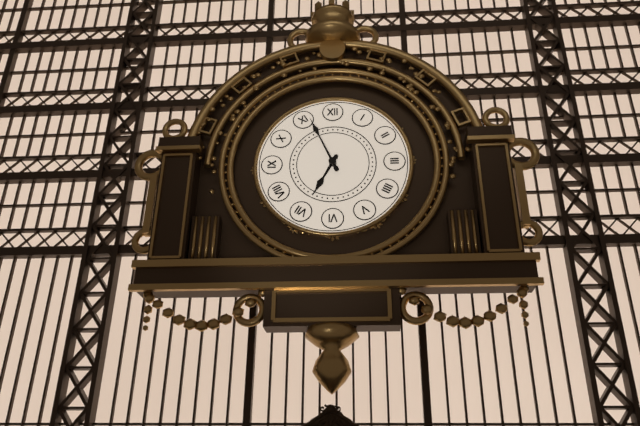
**6:56**
